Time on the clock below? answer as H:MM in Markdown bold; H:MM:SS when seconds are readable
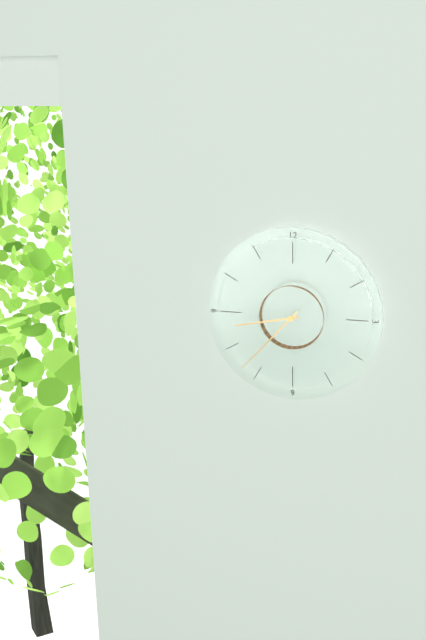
**8:37**
